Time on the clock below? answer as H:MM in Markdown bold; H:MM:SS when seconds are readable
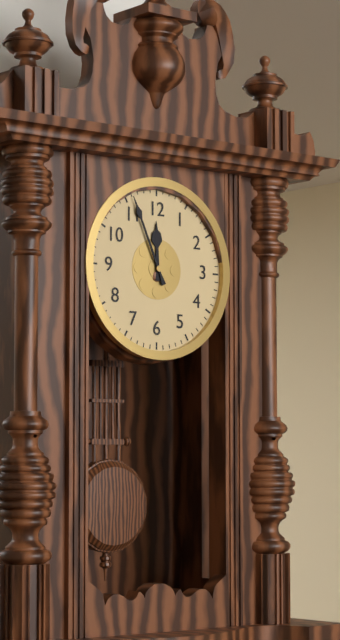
**11:56**
